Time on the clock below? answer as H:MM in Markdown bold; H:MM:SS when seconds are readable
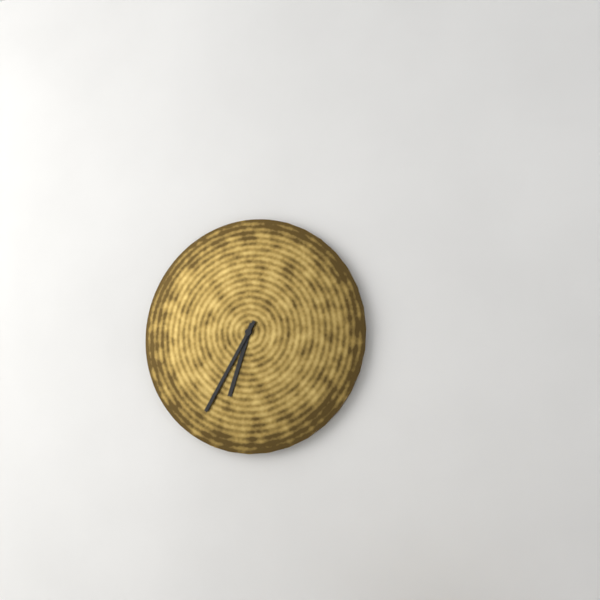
**6:35**
